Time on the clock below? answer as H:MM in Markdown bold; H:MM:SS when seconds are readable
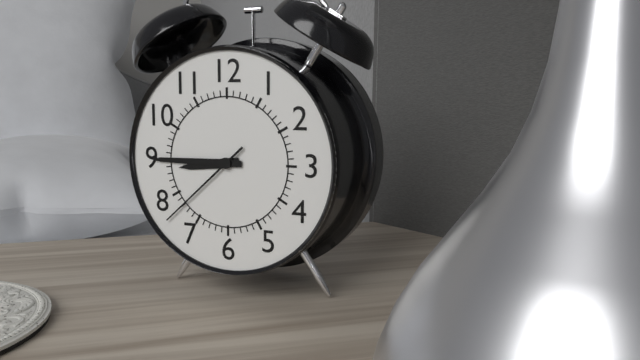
**8:45:38**
